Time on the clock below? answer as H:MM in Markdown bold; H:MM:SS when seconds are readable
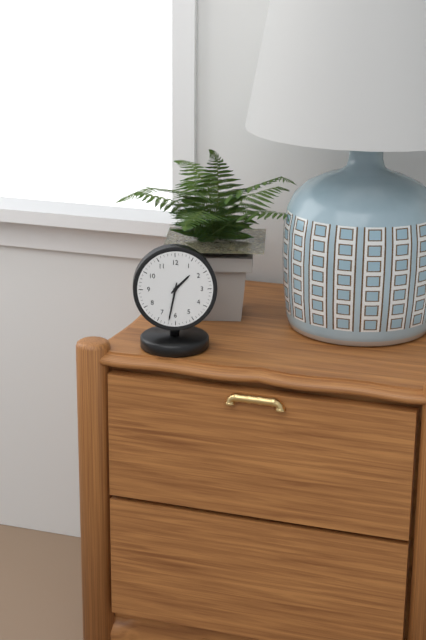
**1:32**
